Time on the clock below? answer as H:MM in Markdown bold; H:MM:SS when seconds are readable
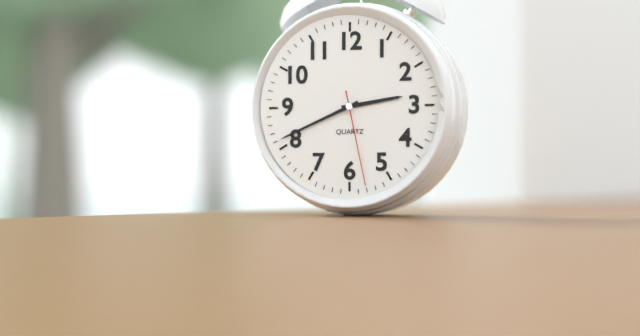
**2:41:28**
